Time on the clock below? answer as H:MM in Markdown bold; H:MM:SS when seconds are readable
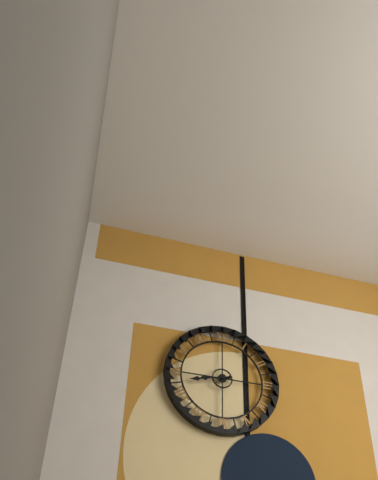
**8:43**
